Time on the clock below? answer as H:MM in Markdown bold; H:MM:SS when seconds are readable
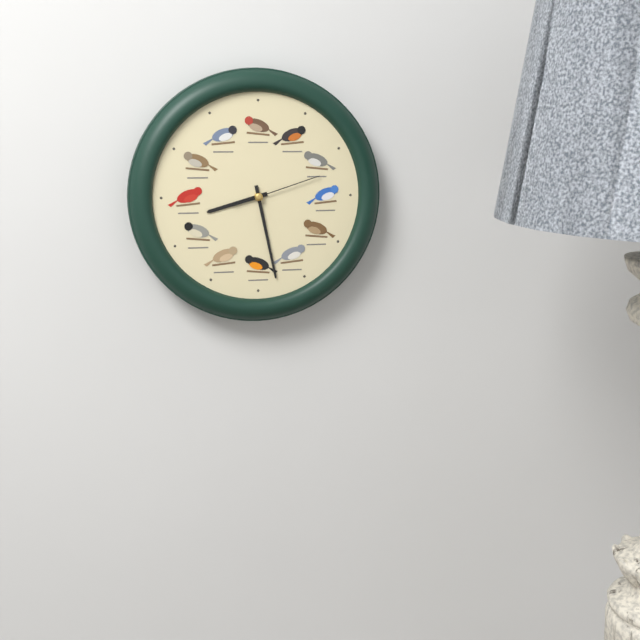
**8:28:12**
